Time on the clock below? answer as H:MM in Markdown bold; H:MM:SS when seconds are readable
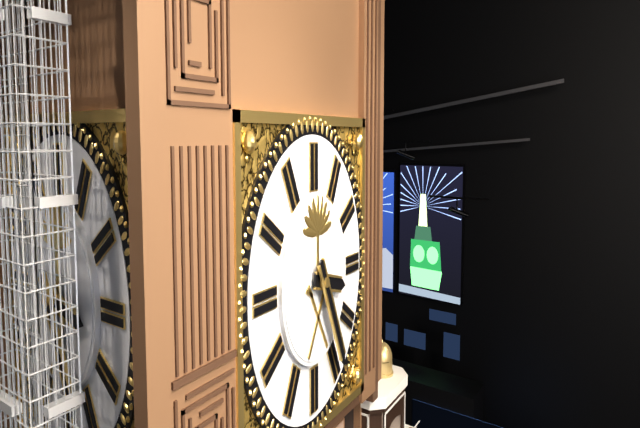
**3:25**
